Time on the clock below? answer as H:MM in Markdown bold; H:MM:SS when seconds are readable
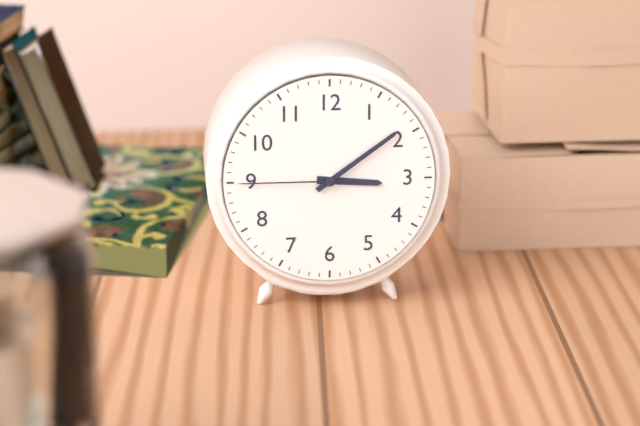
**3:09:45**
